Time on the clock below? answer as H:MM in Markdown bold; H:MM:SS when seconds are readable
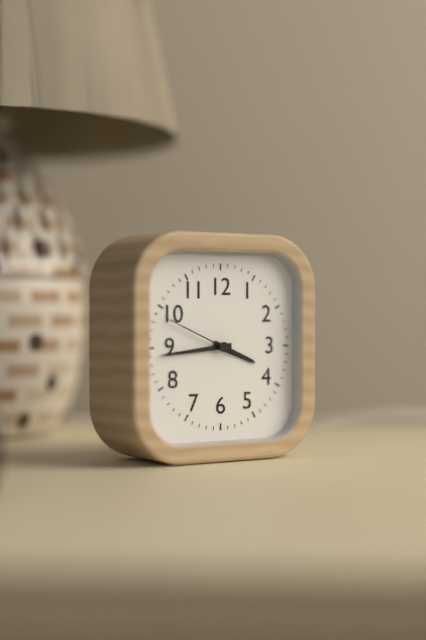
**3:44:49**
